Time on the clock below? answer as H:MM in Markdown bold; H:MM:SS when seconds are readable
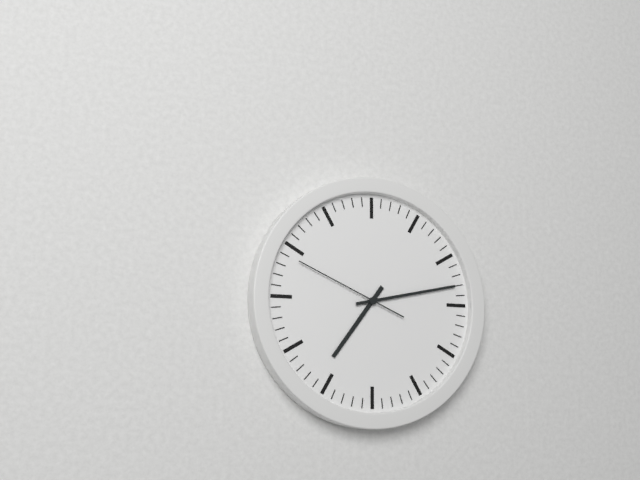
**7:13:49**
